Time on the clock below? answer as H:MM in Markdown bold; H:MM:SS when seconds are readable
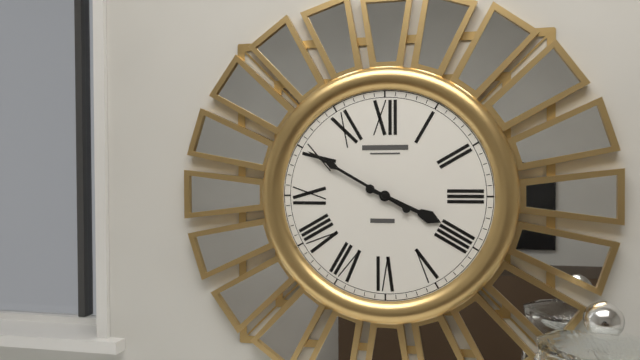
**3:50**
